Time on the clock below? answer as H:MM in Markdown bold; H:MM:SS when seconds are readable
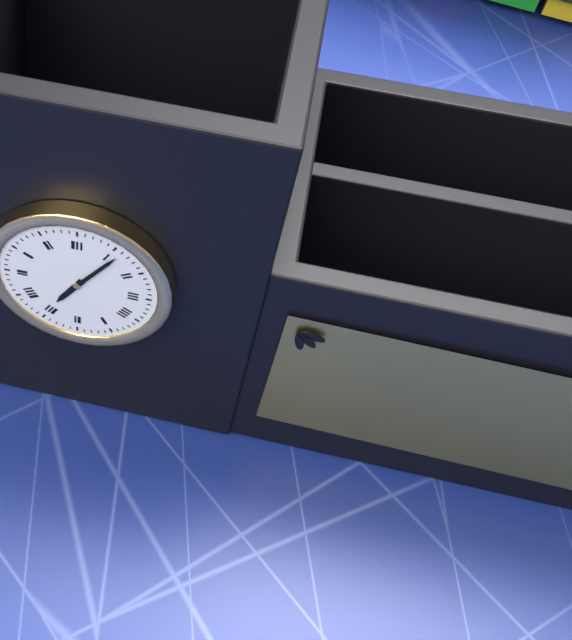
**7:06**
